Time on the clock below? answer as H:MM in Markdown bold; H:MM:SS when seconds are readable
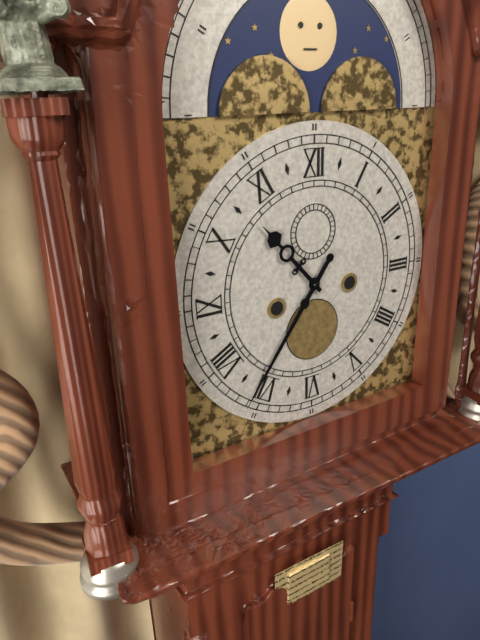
**10:36**
